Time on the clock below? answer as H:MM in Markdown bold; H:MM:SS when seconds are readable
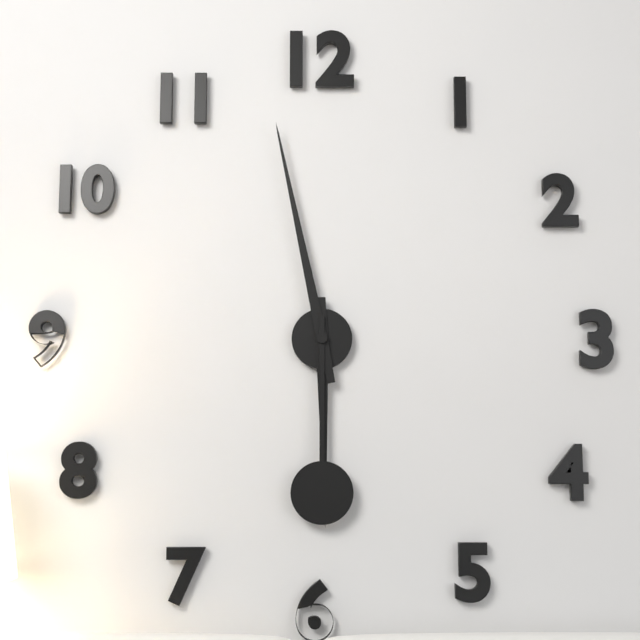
**5:58:30**
